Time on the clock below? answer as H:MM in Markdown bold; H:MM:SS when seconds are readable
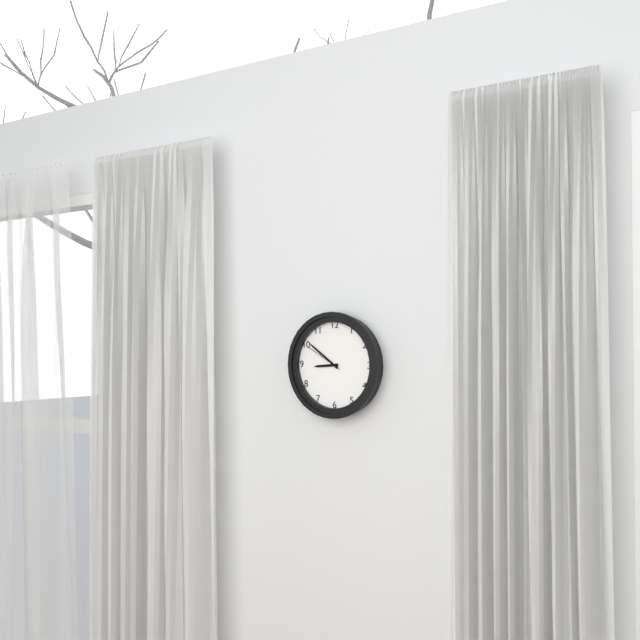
**8:51**
